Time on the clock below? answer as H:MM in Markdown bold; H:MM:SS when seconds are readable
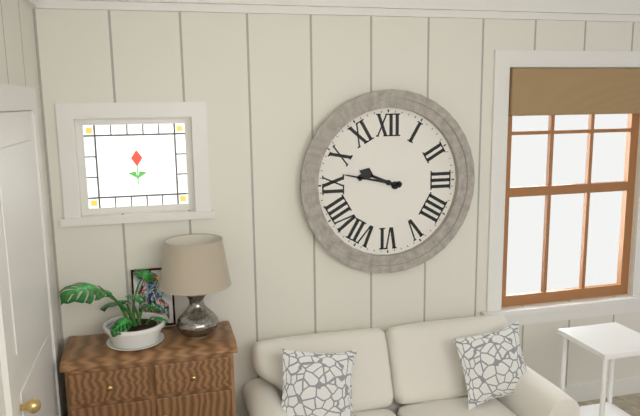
**9:47**
